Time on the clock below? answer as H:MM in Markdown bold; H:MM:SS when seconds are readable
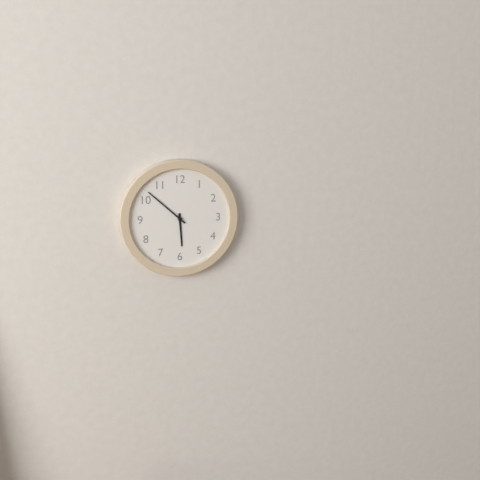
**5:52**
